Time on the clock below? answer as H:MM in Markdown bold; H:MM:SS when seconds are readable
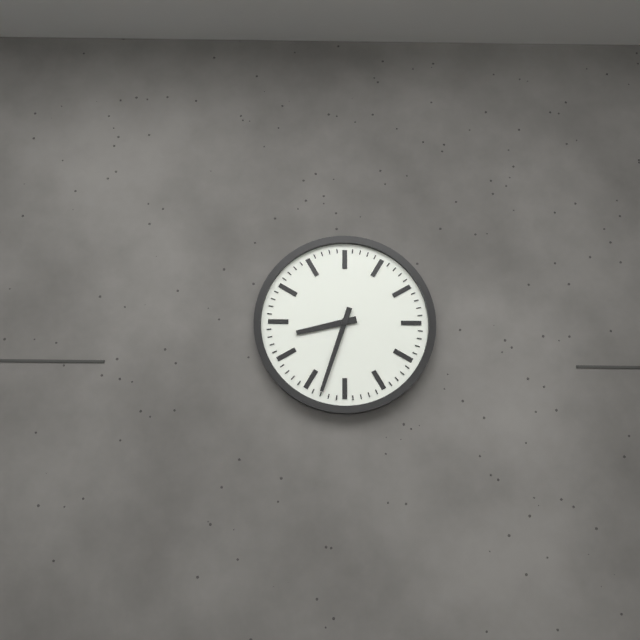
**8:33**
